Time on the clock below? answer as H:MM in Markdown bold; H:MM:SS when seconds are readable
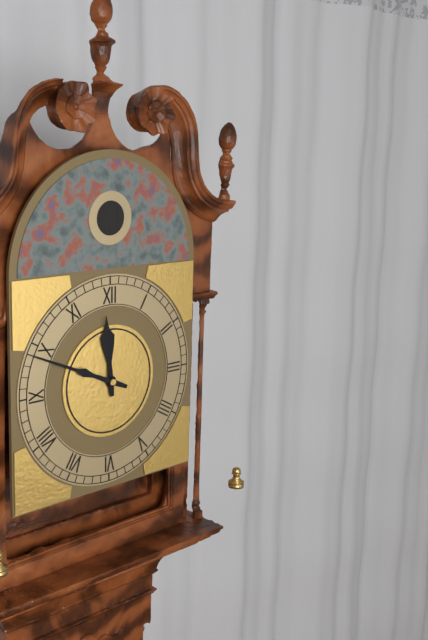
**11:49**
